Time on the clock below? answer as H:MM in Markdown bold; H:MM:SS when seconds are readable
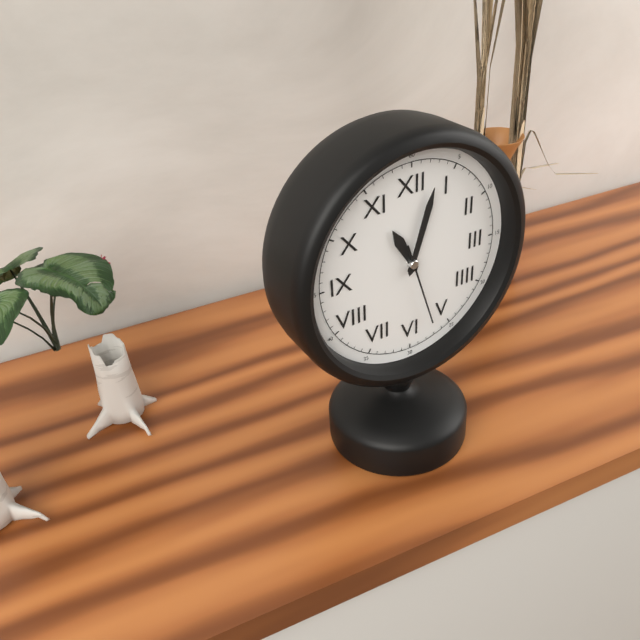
**11:03:27**
